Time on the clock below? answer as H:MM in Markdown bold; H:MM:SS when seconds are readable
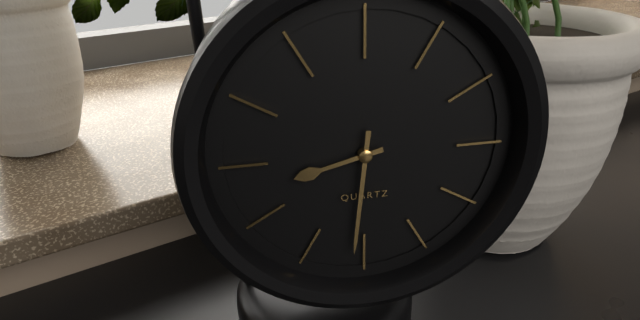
**8:31**
